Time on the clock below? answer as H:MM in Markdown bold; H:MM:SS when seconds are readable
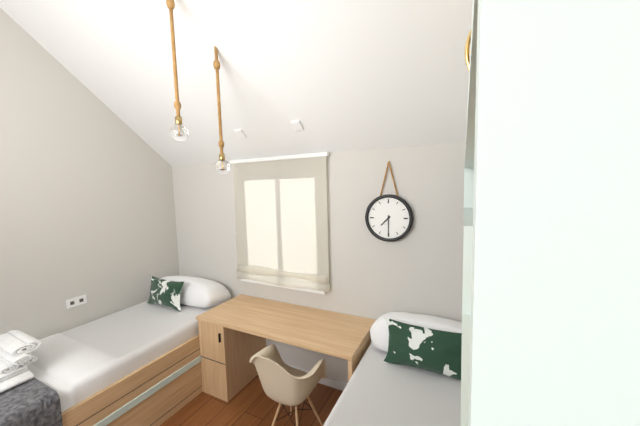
**7:30**
